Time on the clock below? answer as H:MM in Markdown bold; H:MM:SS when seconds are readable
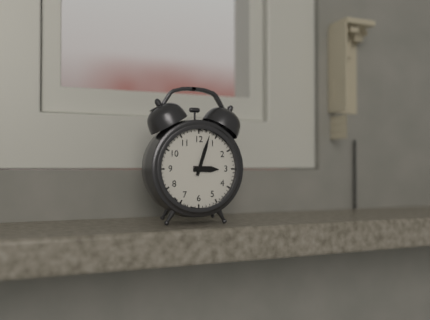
**3:03**
